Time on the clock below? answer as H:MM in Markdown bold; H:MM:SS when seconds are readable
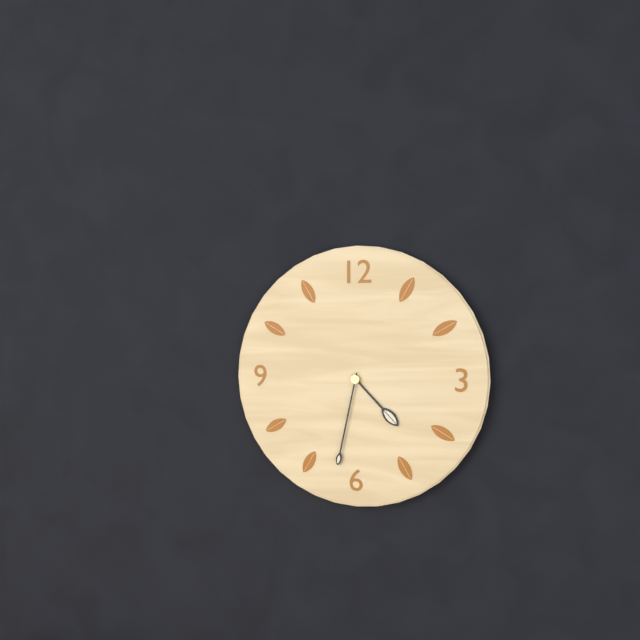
**4:32**
